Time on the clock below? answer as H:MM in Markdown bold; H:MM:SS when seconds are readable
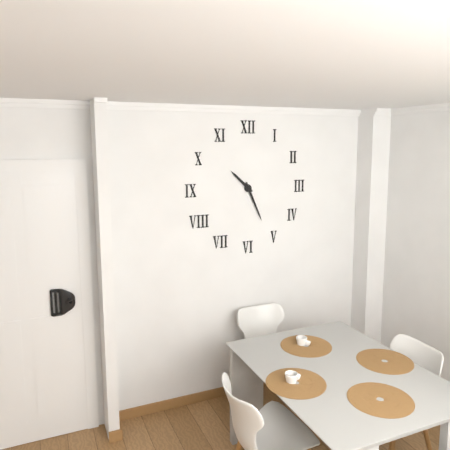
**10:26**
